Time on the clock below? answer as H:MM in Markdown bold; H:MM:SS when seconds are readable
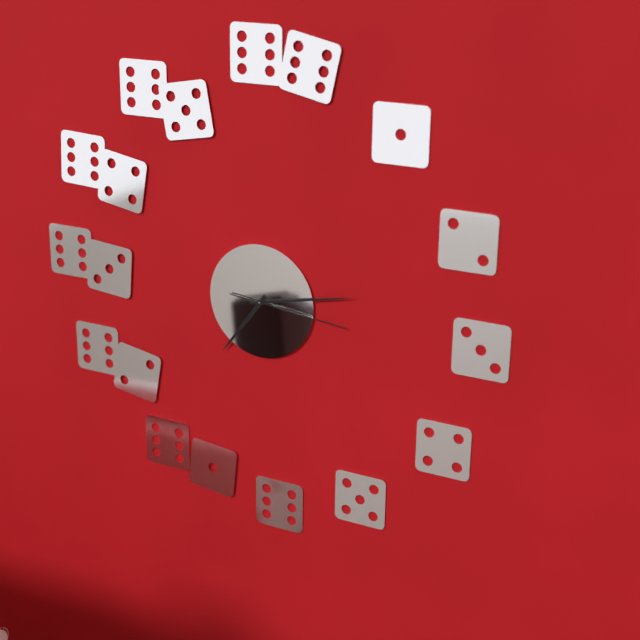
**7:13:16**
